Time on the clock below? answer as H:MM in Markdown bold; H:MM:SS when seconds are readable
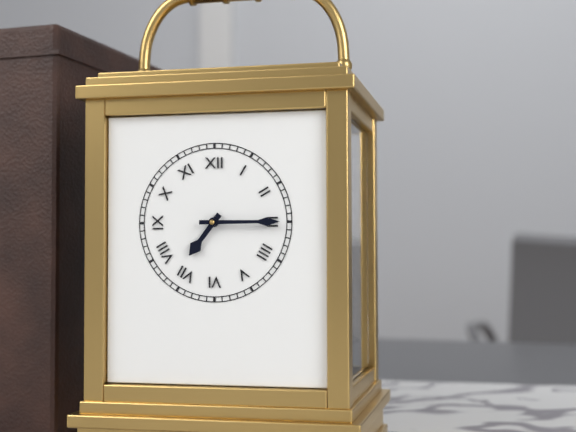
**7:15**
